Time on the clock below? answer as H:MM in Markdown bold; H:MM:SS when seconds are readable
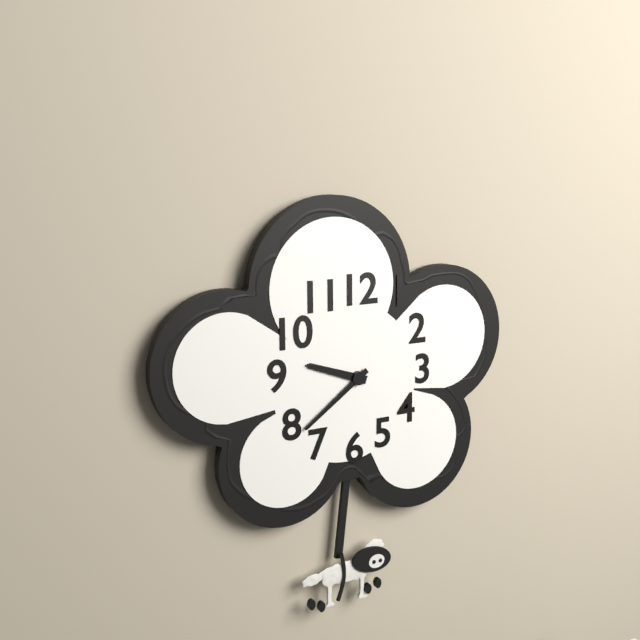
**9:39**
